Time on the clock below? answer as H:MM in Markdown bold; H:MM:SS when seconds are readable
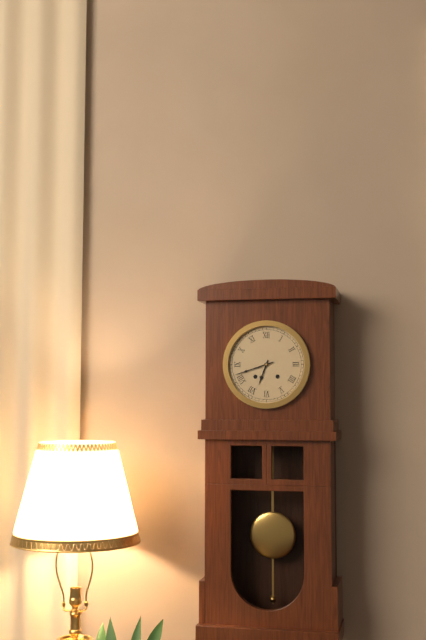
**6:42**
